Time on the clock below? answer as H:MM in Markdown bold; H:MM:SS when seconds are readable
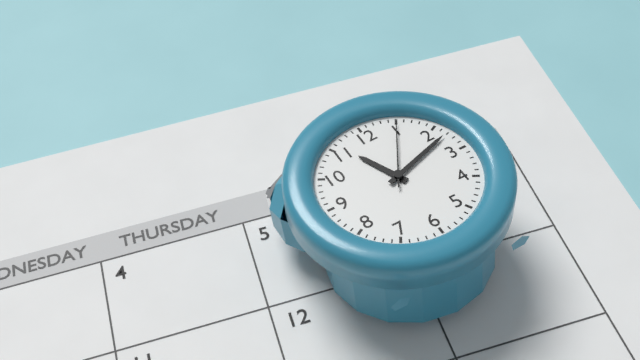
**11:12:05**
